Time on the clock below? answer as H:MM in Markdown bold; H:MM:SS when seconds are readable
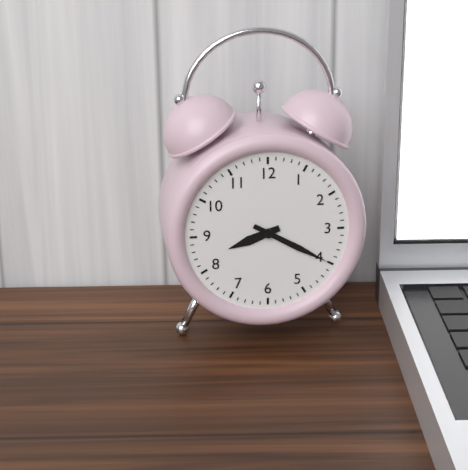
**8:20**
